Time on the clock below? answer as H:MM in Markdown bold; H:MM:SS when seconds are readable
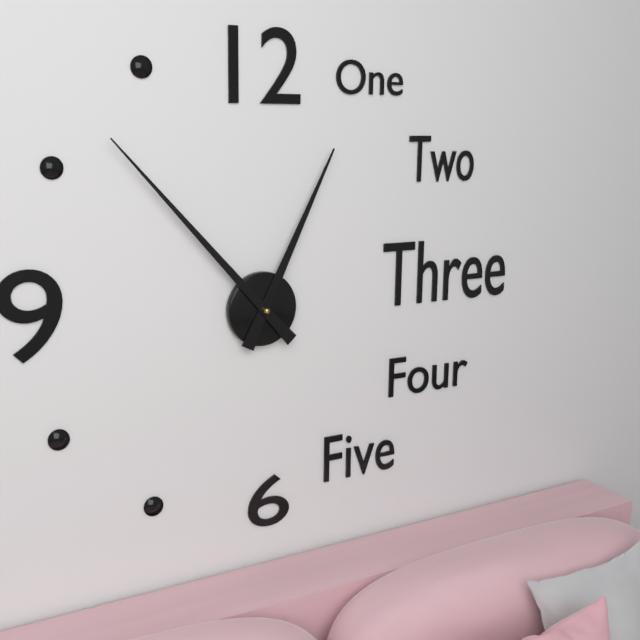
**12:53**
